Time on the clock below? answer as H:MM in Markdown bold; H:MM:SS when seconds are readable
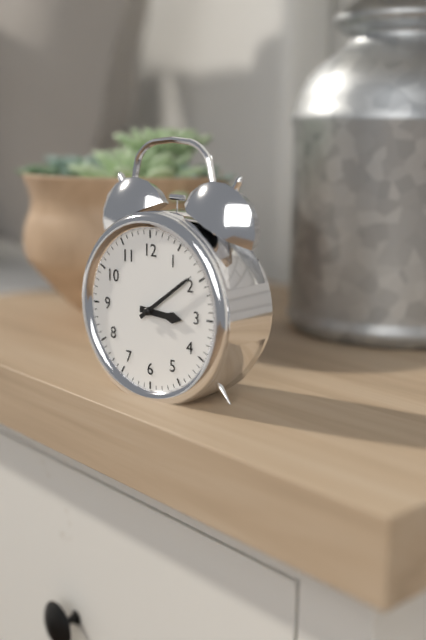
**3:09**
